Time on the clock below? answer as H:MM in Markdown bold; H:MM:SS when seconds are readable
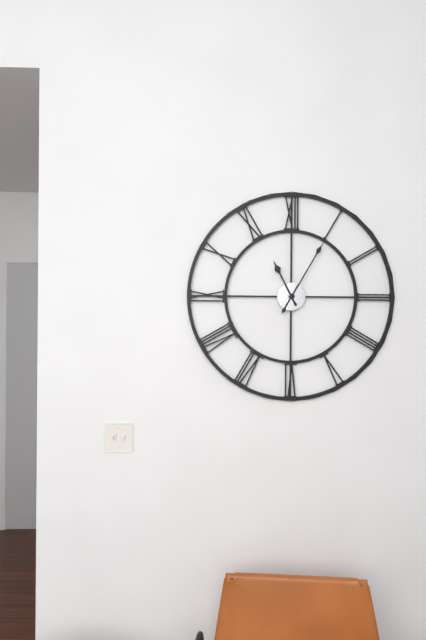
**11:05**
